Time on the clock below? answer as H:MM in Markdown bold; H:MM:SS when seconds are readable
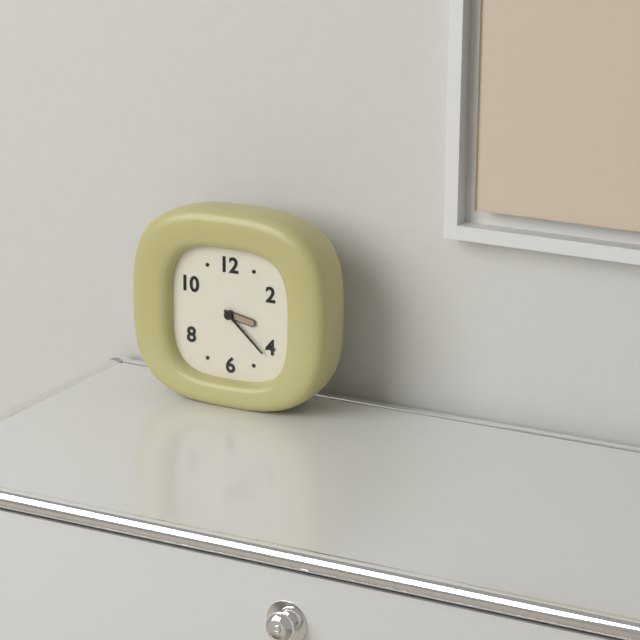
**3:22**
